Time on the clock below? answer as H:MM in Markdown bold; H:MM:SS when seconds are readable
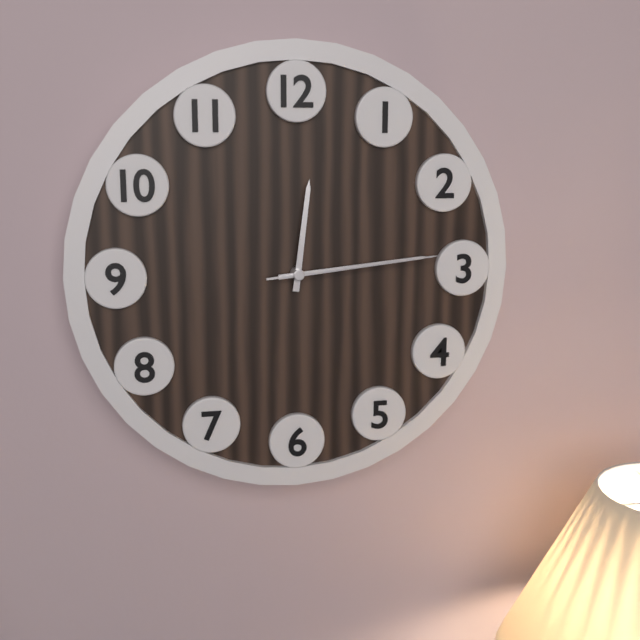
**12:14:14**
